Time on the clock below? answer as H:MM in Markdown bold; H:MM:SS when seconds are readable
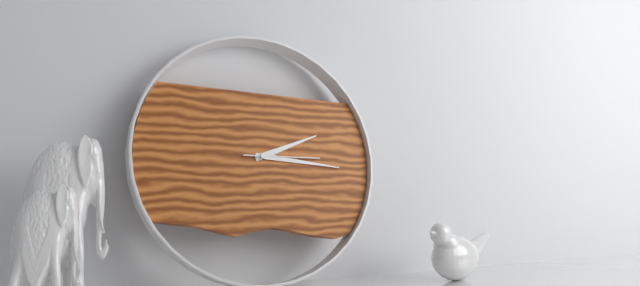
**2:16:15**
